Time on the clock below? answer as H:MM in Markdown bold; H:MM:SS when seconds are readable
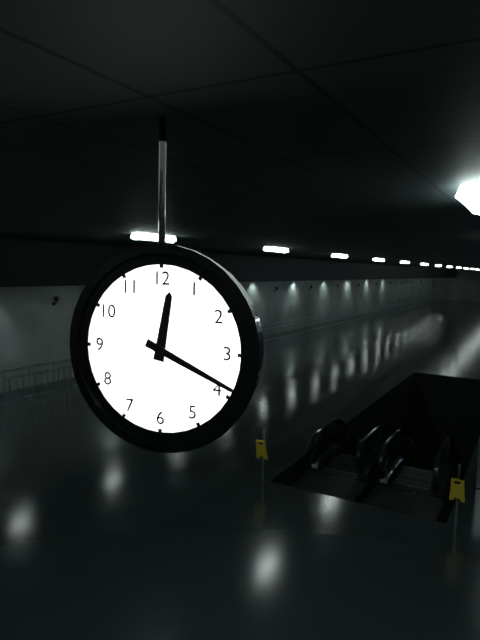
**12:19**
